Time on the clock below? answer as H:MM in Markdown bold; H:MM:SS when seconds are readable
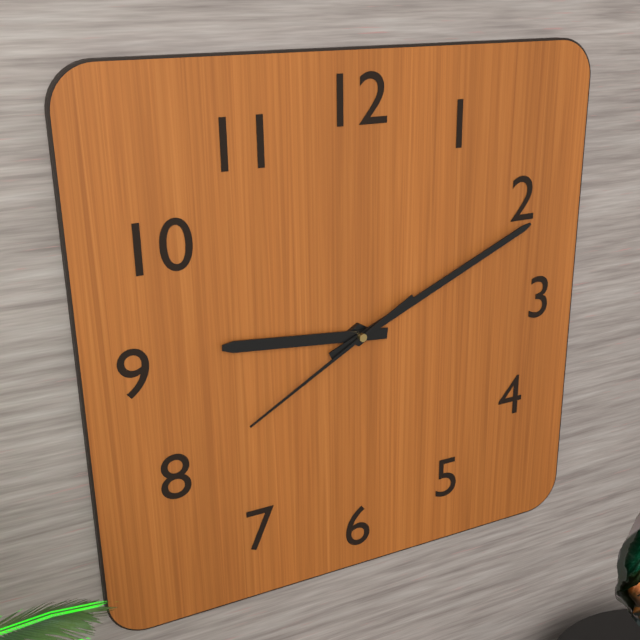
**9:11:40**
